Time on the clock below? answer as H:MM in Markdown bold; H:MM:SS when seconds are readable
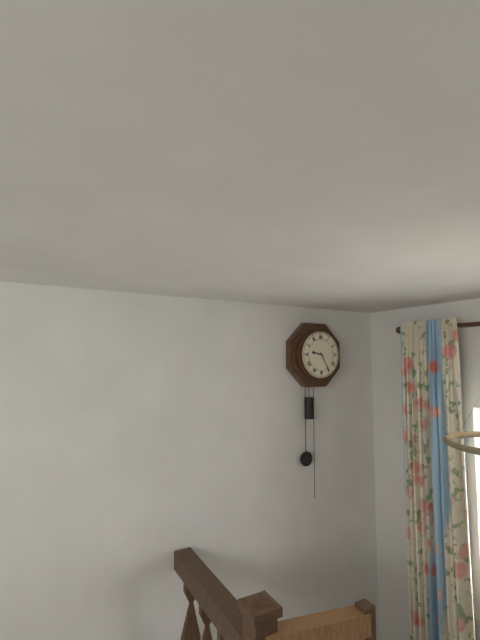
**9:25**
